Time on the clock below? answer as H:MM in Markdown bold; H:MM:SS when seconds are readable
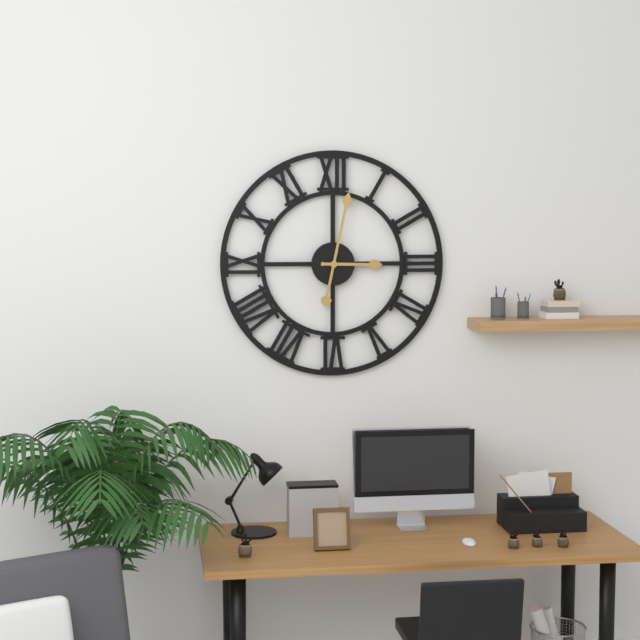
**3:02**
